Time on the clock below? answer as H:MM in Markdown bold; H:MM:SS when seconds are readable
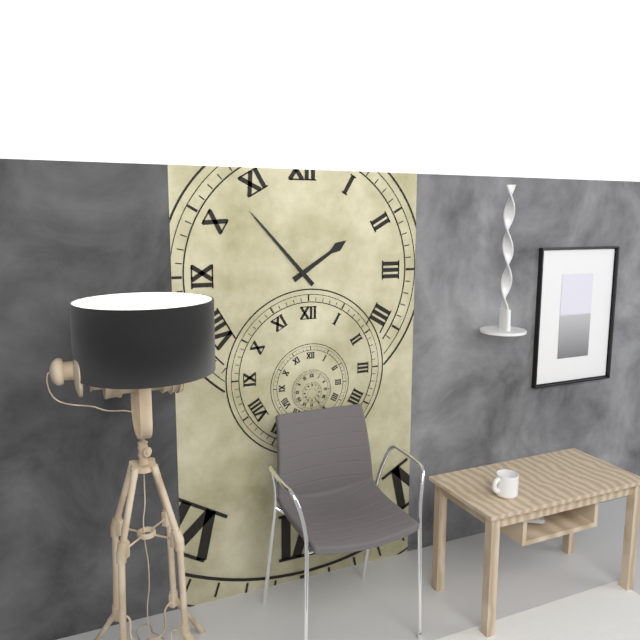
**1:53**
